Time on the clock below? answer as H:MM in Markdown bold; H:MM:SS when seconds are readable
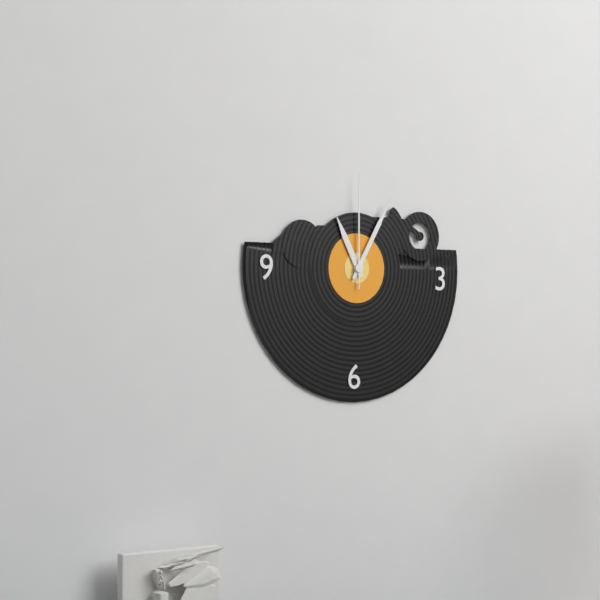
**11:05:00**
